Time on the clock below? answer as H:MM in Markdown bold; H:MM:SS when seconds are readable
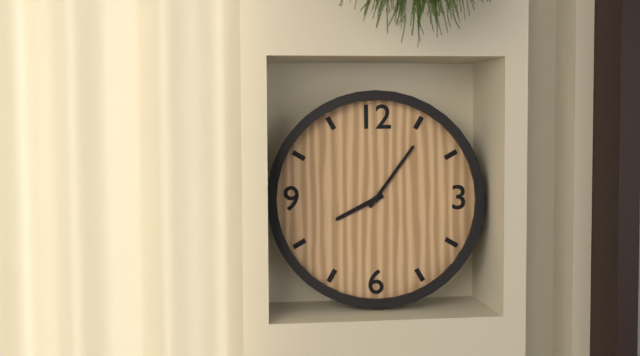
**8:06**
